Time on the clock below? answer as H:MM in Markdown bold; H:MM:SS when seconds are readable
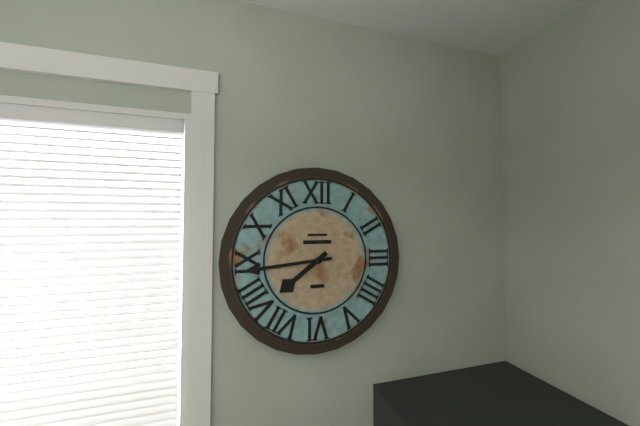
**7:44**
